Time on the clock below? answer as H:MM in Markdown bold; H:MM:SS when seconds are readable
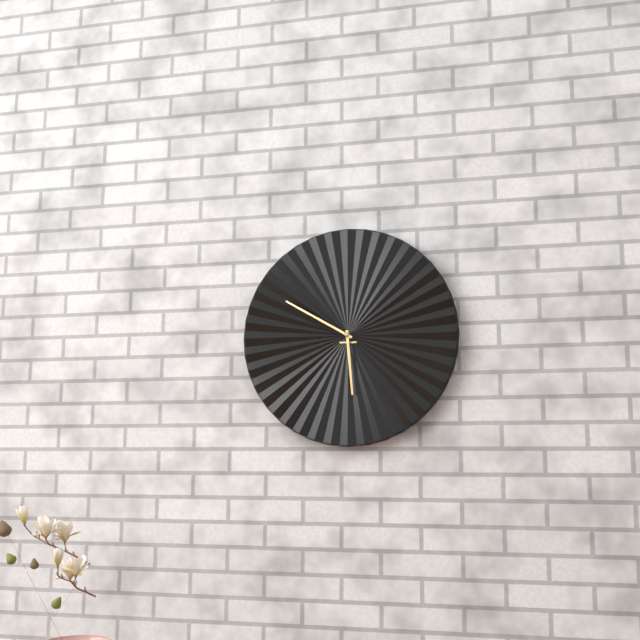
**5:50**
